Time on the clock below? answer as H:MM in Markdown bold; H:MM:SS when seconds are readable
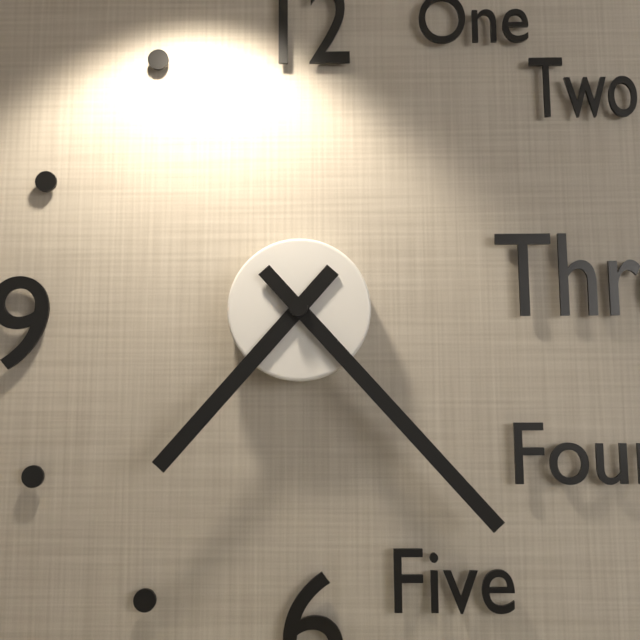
**7:23**
